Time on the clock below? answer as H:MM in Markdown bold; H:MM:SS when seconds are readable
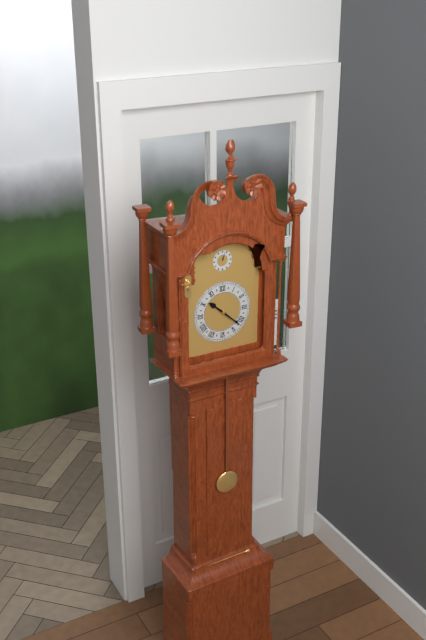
**10:22**
